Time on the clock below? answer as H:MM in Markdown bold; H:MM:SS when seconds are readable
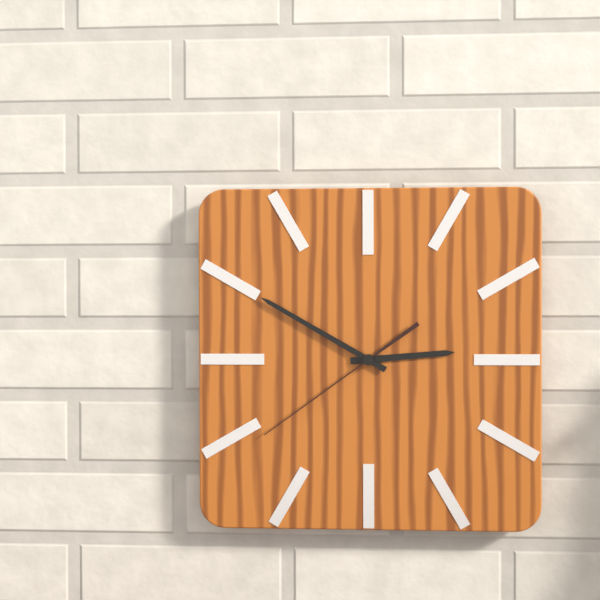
**2:50:39**
